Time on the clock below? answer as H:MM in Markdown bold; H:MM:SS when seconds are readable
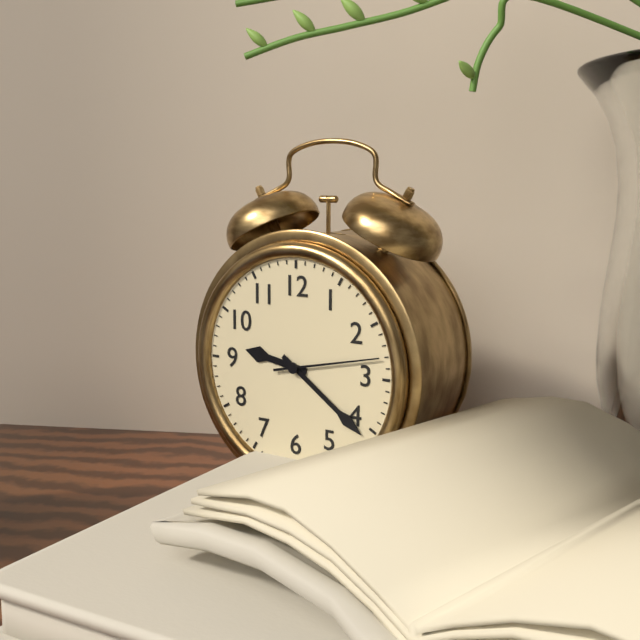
**9:21:13**
